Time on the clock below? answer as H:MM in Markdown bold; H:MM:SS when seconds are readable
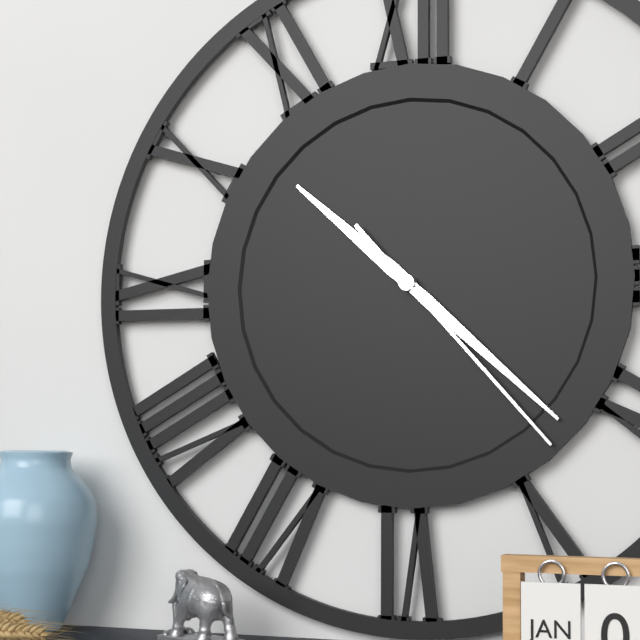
**10:22:23**
